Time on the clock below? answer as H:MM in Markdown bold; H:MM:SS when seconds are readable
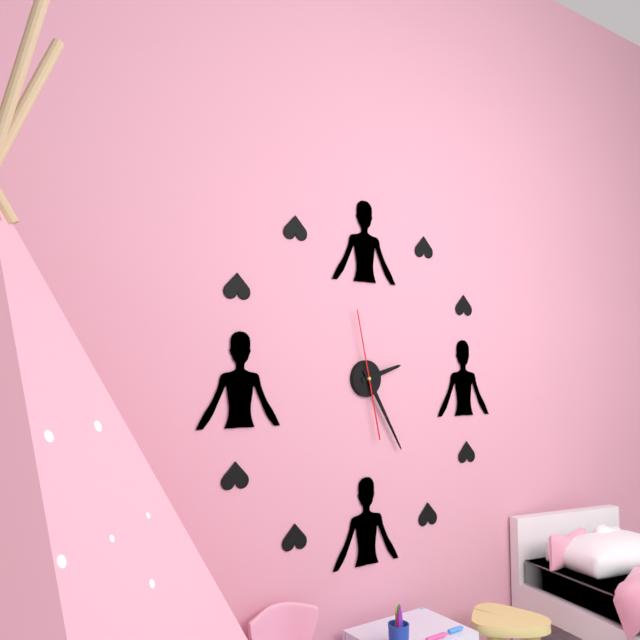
**2:25:58**
